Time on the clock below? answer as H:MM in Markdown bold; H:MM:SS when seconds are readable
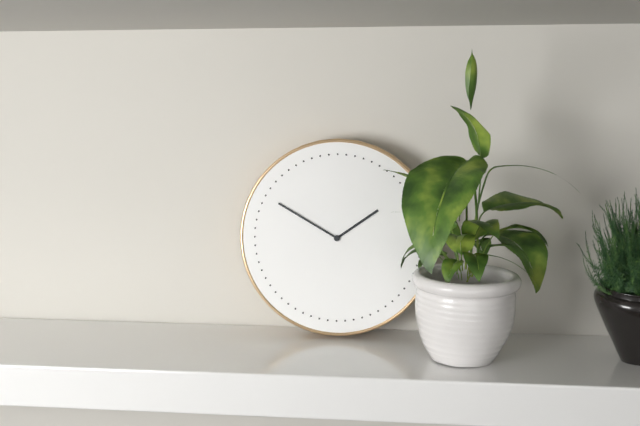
**1:50**
